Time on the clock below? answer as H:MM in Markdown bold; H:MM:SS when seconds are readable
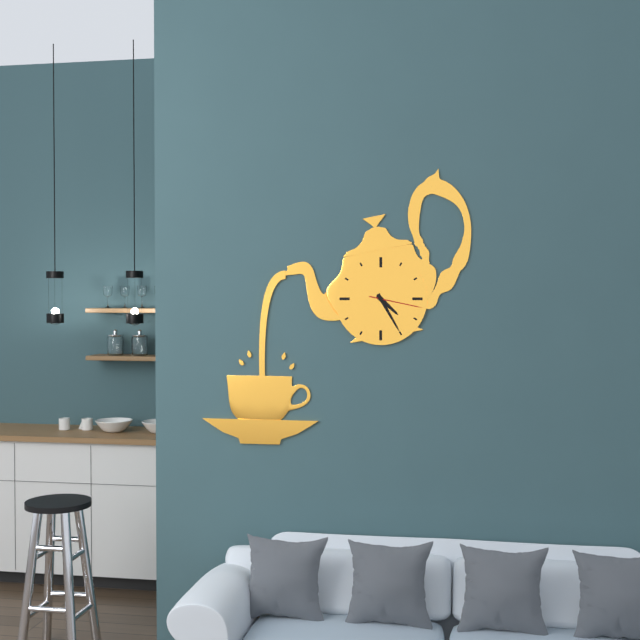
**4:25:17**
